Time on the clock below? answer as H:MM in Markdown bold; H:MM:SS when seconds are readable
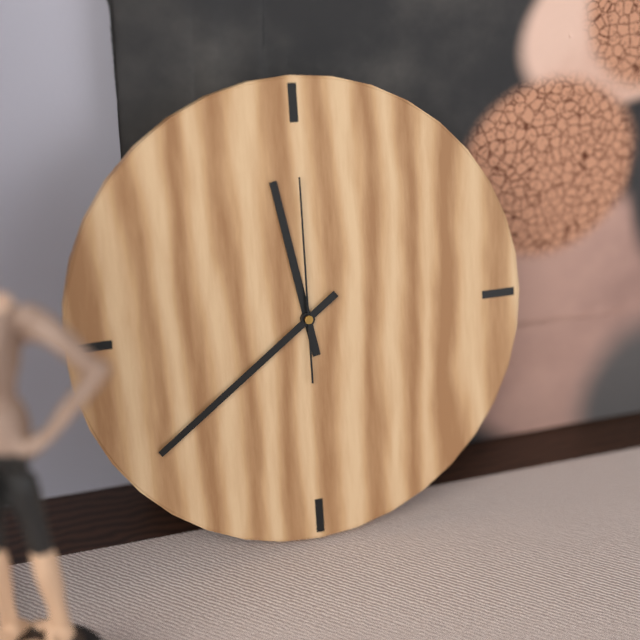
**11:39:00**
